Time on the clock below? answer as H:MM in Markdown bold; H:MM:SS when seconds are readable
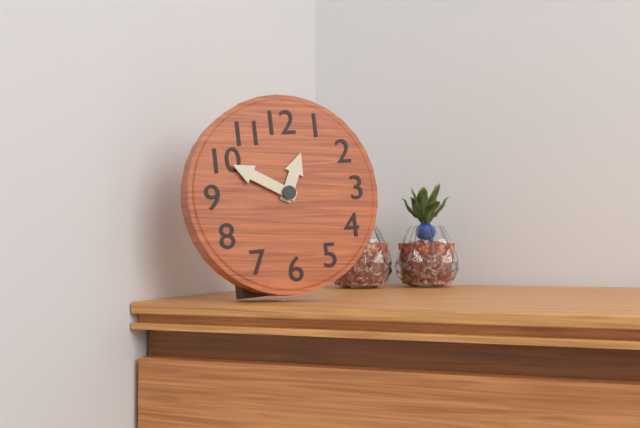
**12:50**
